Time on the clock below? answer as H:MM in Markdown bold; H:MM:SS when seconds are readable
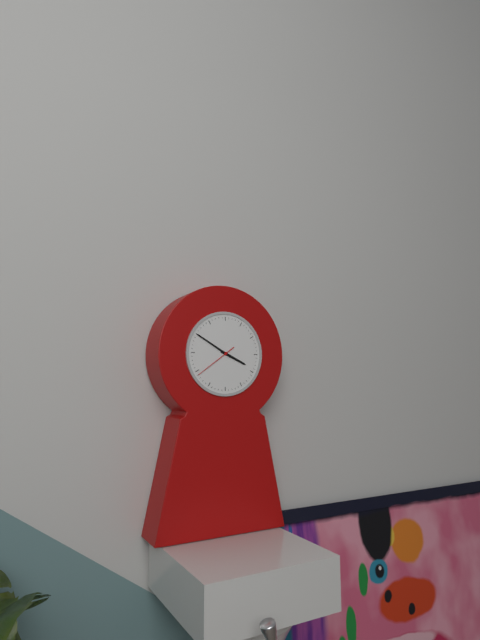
**3:50**
